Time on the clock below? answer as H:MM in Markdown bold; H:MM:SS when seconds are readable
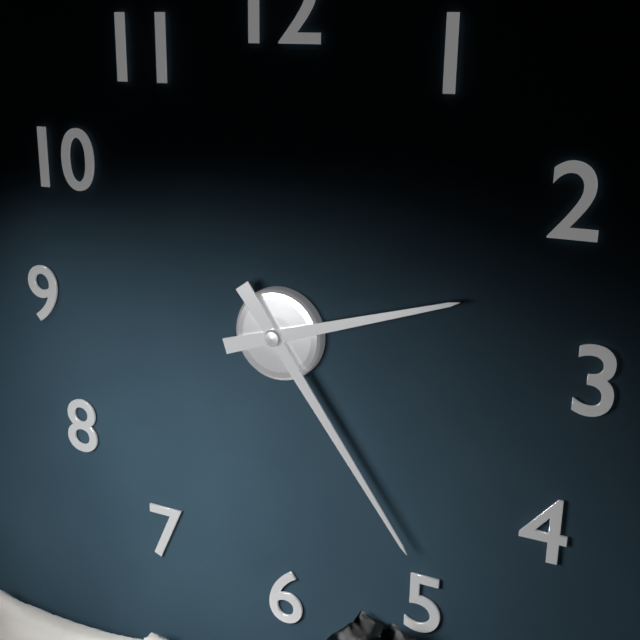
**2:24**
